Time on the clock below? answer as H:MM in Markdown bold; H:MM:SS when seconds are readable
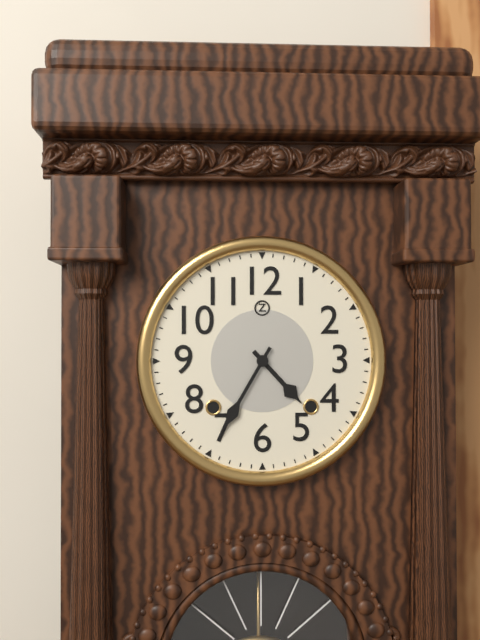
**4:35**
